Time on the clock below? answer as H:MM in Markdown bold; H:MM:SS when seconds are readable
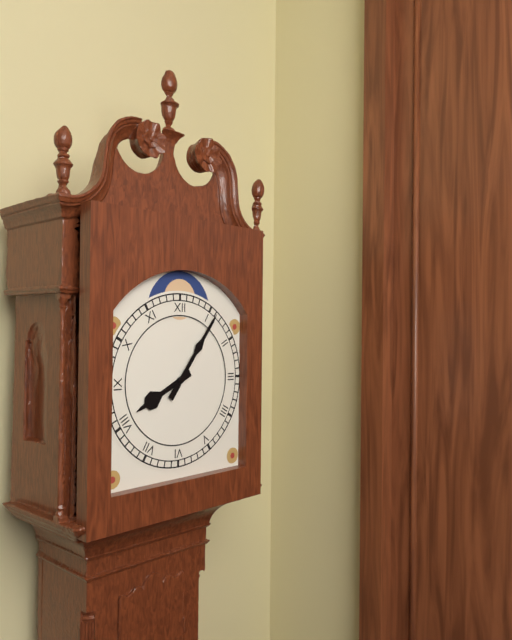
**8:06**
